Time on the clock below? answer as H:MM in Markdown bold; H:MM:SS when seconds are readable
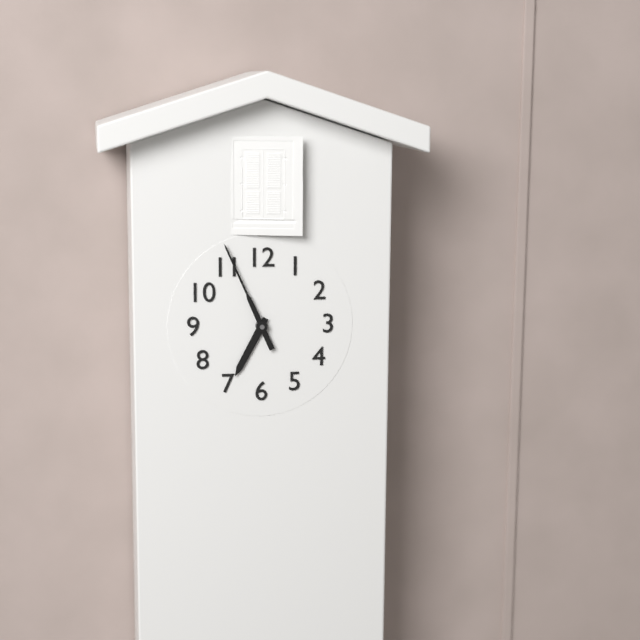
**6:56**
